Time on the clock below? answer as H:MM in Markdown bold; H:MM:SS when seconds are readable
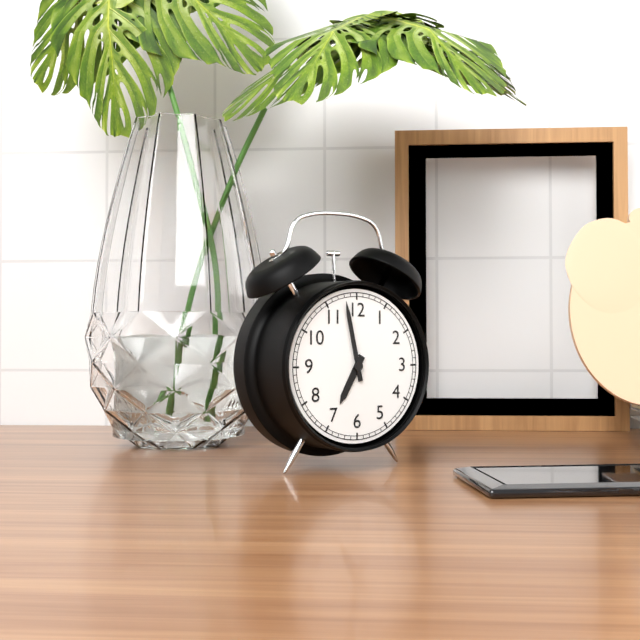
**6:58**
